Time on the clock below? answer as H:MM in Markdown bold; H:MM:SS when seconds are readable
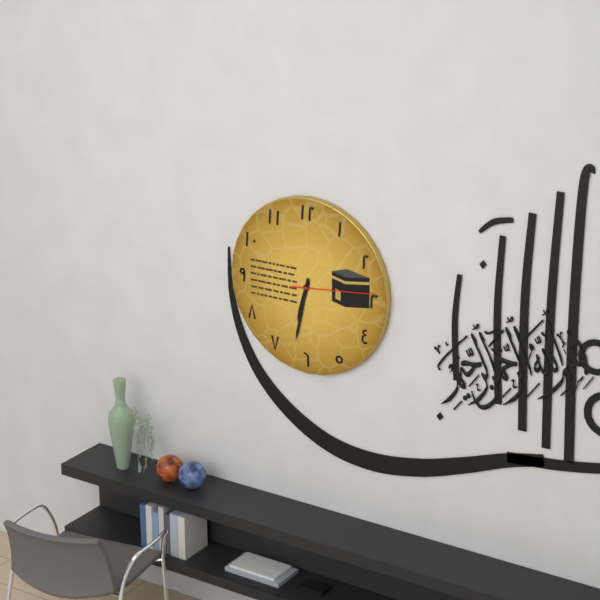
**6:32:14**
